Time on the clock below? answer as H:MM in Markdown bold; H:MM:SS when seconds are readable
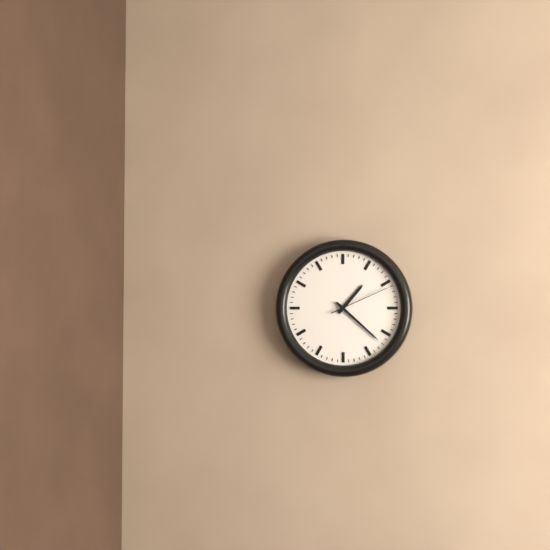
**1:22:11**
